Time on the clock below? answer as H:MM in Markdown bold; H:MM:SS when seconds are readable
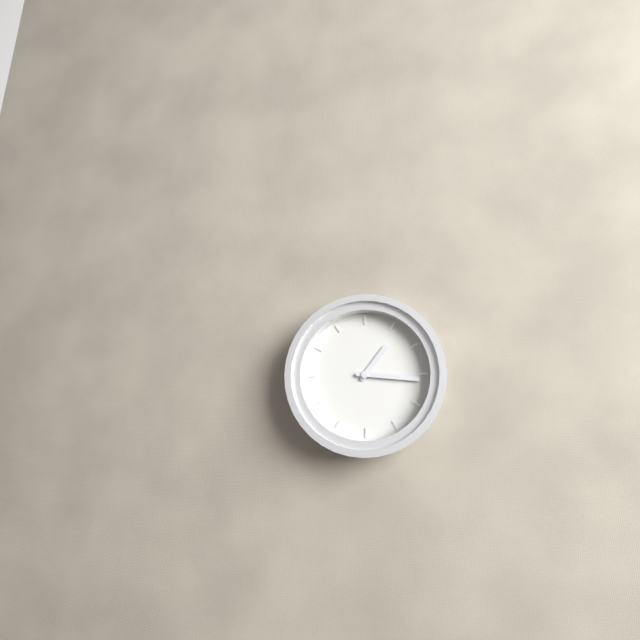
**1:16**
